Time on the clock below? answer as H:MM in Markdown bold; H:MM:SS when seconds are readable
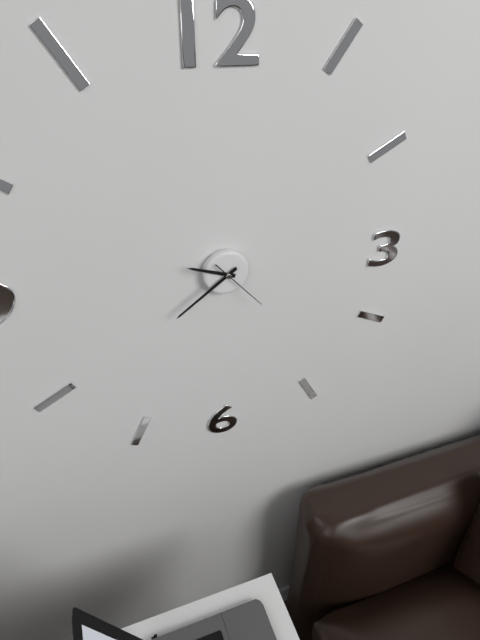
**9:39:23**
